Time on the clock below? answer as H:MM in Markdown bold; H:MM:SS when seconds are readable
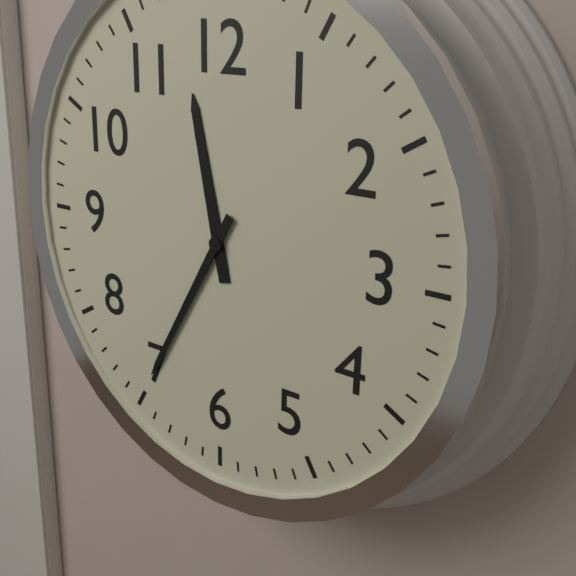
**11:35**
